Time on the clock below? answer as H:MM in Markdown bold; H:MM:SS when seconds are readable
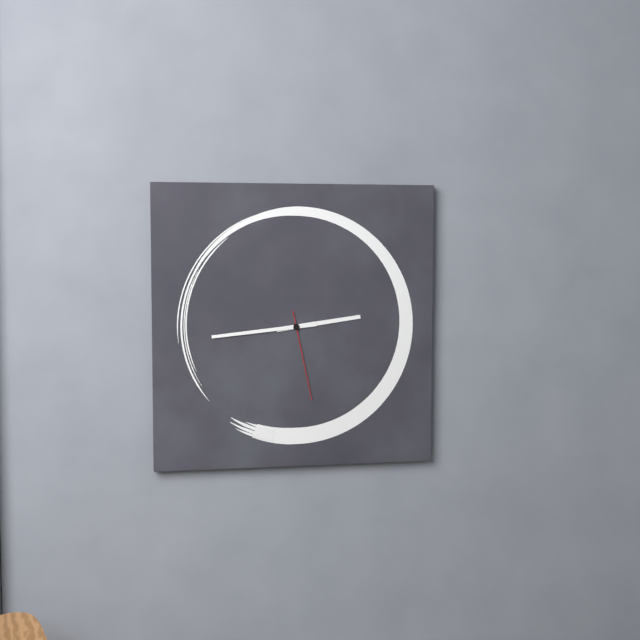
**2:44:28**
